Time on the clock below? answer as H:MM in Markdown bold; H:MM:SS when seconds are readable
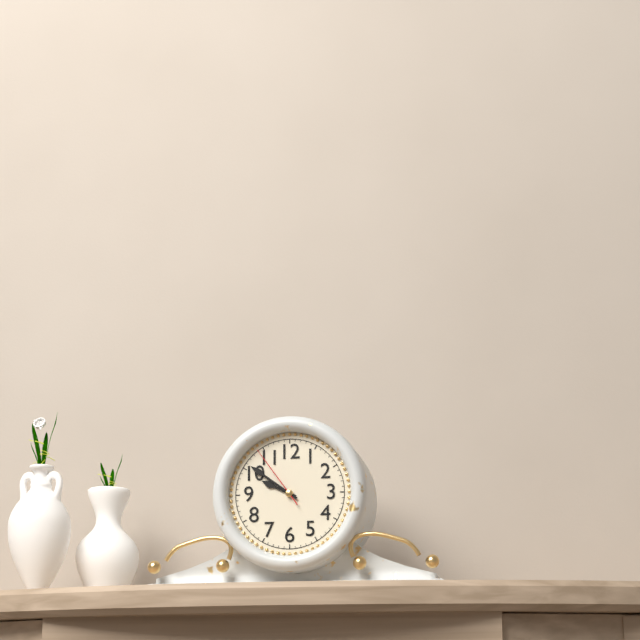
**9:51:54**
